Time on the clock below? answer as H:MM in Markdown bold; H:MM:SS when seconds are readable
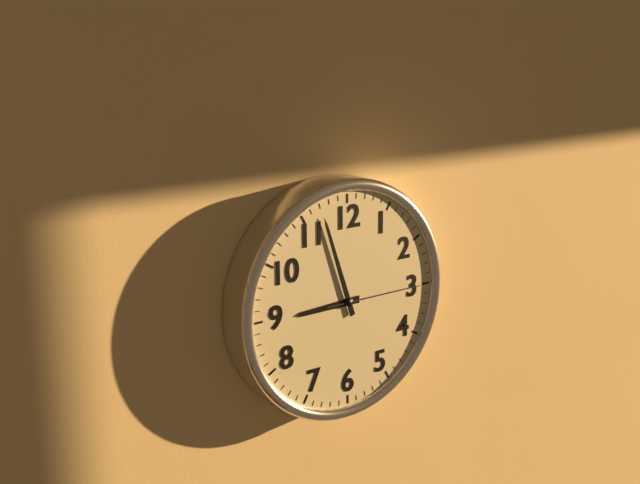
**8:57:15**
